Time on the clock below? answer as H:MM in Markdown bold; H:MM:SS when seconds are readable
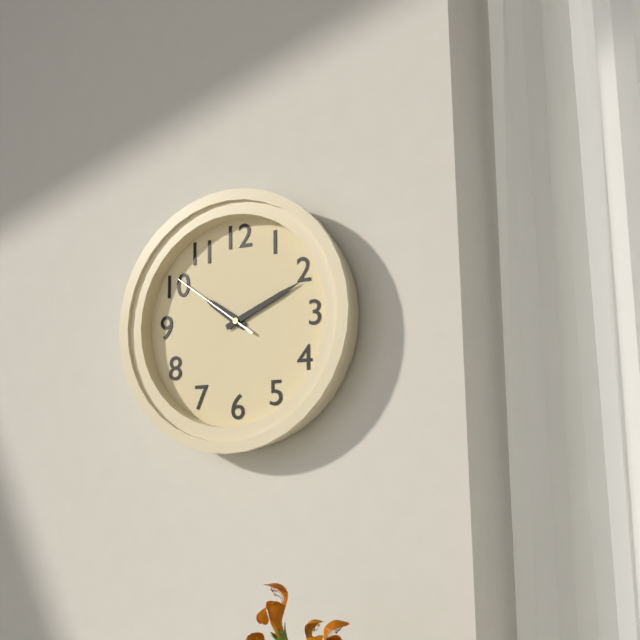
**10:11:51**
